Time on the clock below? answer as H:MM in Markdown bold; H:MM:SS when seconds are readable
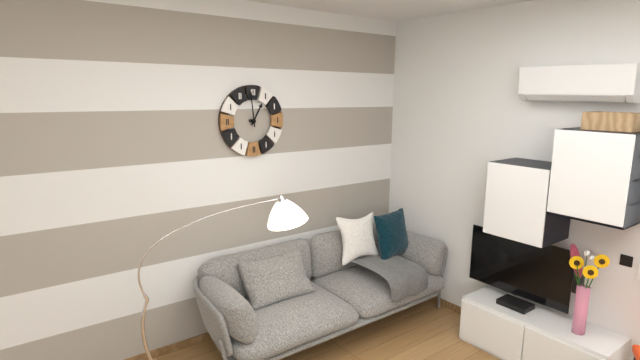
**12:59**
